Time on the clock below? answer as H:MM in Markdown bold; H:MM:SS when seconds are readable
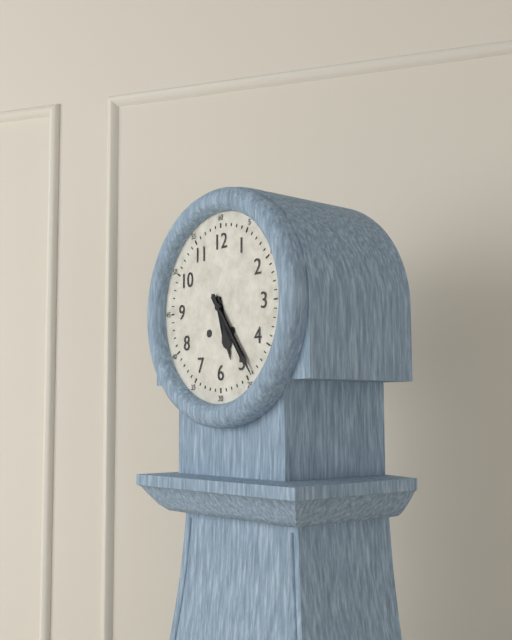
**5:24**
